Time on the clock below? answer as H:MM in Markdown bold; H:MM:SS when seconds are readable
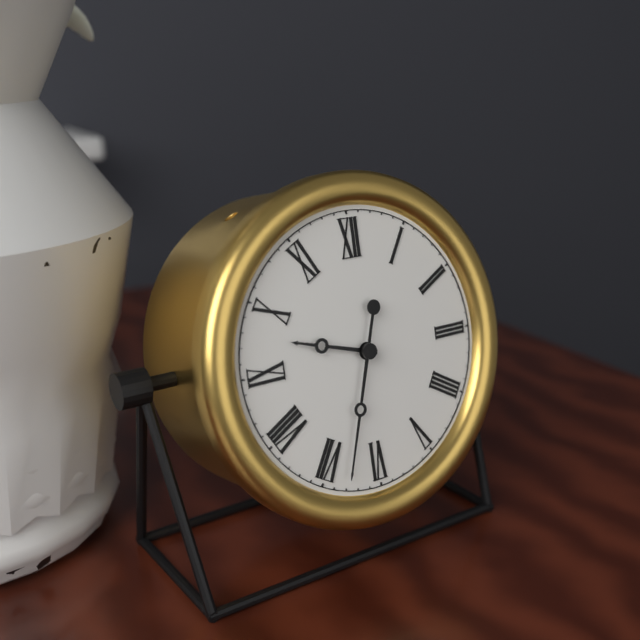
**9:33**
